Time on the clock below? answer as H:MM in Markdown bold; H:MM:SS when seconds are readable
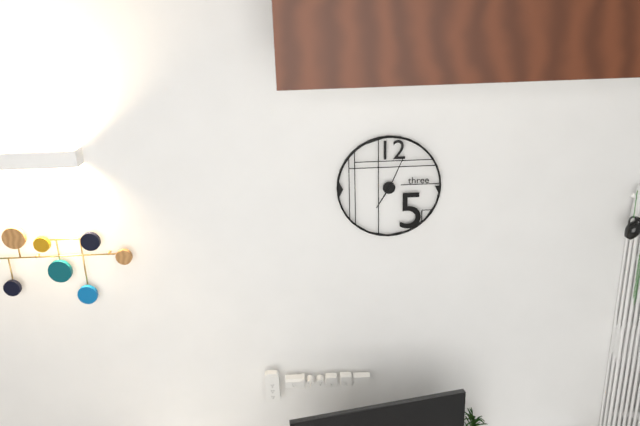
**7:04**
